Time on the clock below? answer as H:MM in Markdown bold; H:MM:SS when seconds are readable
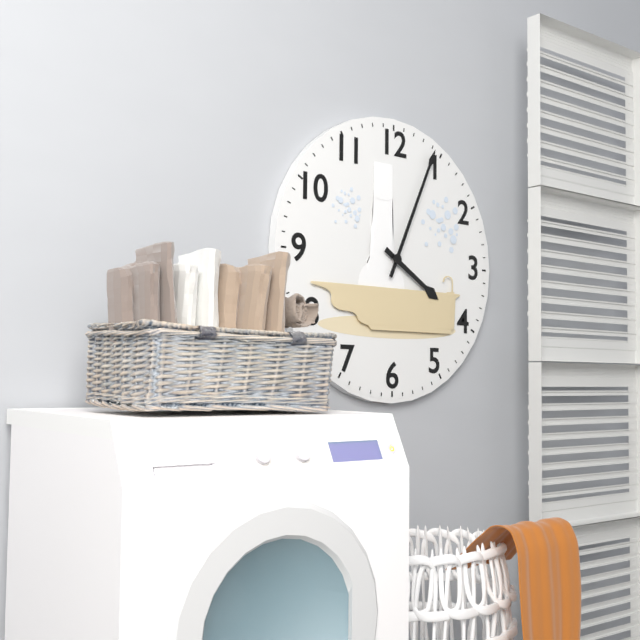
**4:04**
